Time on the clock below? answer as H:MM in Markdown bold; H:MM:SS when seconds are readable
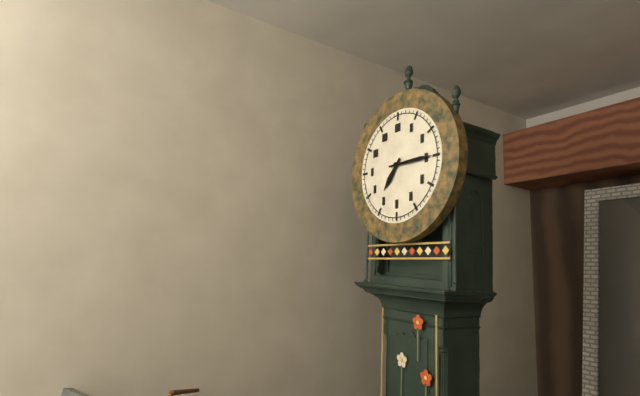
**7:15**
